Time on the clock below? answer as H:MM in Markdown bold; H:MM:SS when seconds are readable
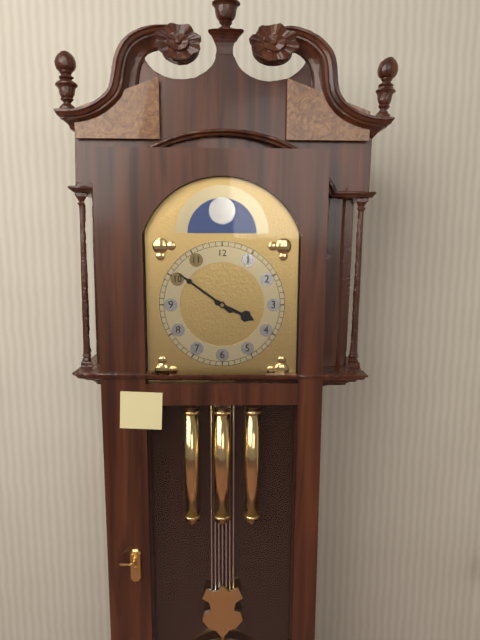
**3:51**
